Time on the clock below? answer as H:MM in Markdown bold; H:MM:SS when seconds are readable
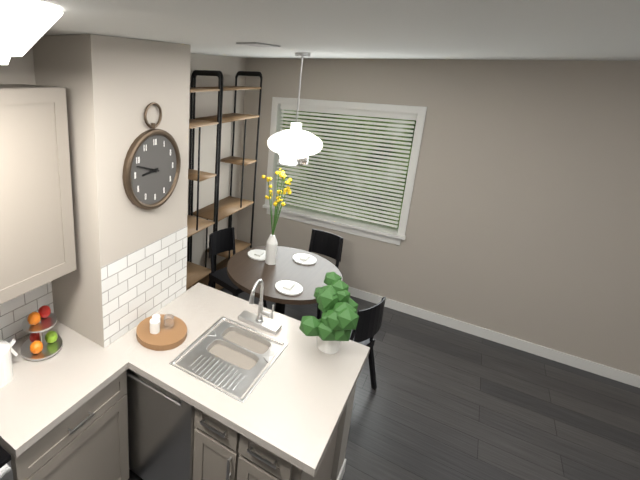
**8:48**
